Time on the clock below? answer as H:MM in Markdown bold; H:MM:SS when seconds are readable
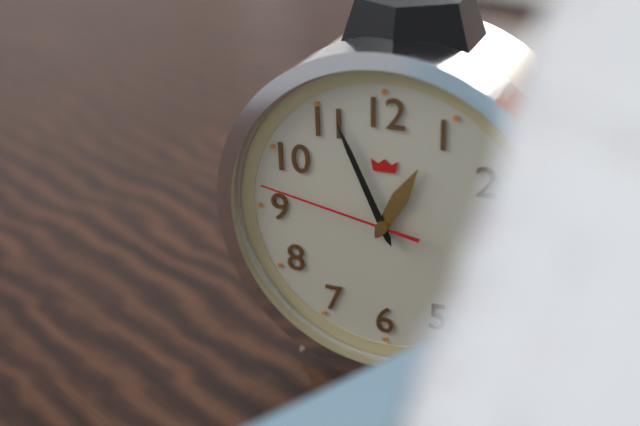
**12:56:47**
